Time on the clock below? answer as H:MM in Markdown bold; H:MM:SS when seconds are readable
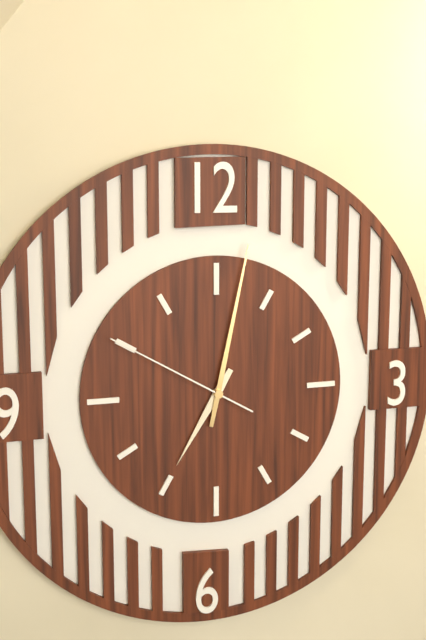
**7:02:50**
